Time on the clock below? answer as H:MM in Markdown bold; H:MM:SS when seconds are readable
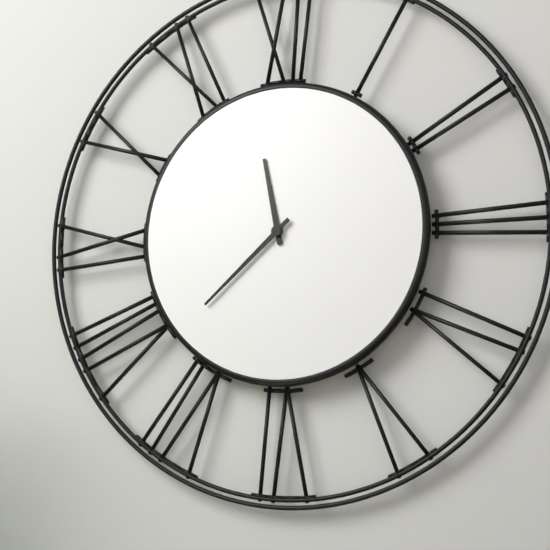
**11:38**
